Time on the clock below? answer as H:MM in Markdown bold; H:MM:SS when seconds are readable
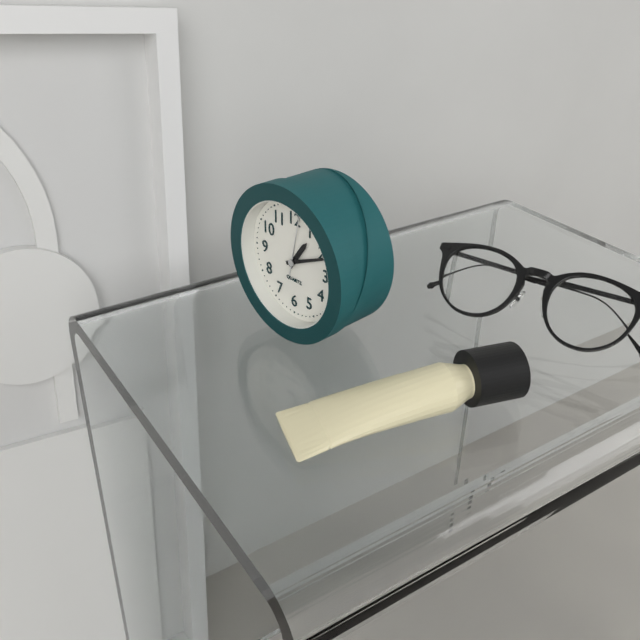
**1:11:02**
